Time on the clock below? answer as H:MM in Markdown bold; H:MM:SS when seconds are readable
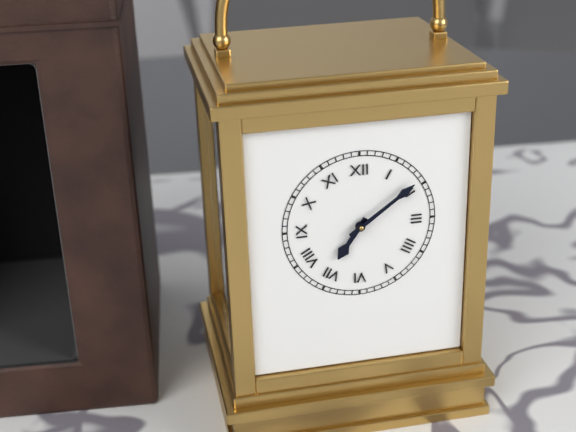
**7:09**
